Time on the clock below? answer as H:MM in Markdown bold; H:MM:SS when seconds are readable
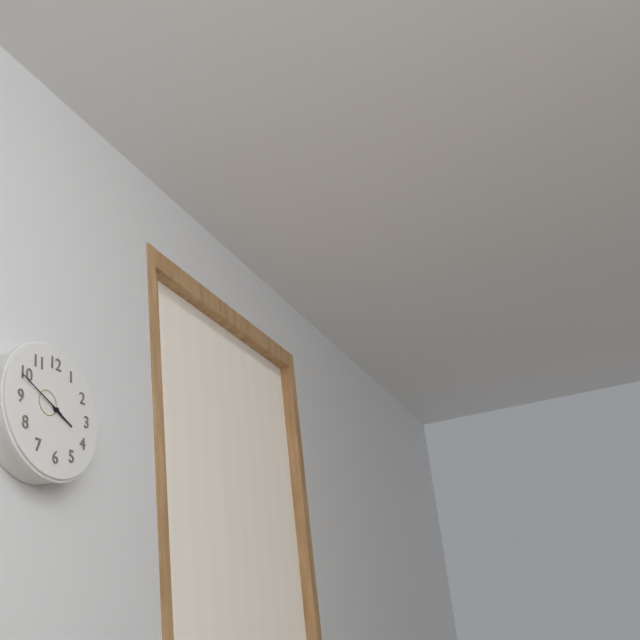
**3:49**
